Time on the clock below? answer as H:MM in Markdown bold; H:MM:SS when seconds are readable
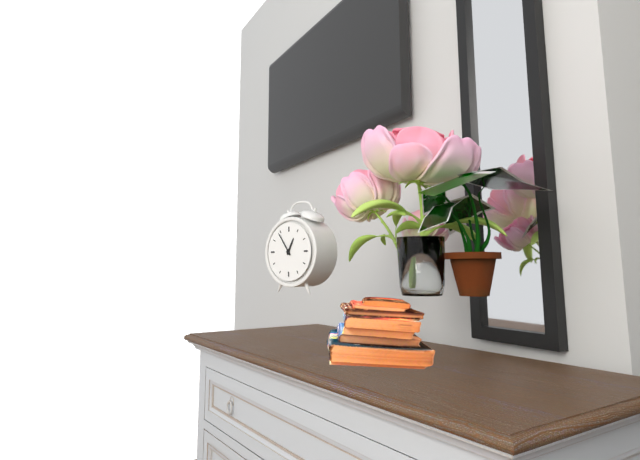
**12:54**
